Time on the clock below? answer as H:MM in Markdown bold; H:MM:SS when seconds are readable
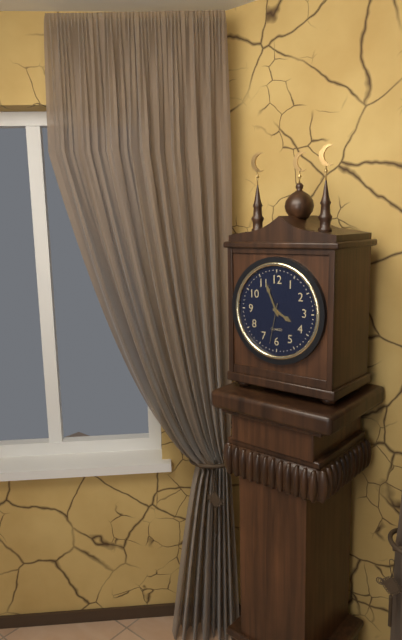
**3:56**
